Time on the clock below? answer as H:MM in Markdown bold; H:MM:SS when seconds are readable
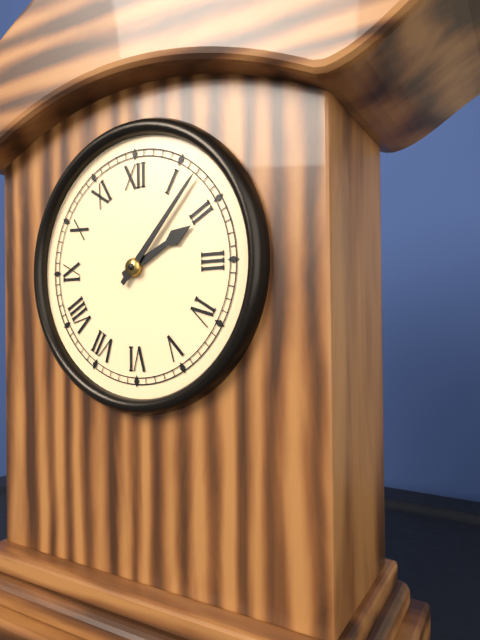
**2:07**
